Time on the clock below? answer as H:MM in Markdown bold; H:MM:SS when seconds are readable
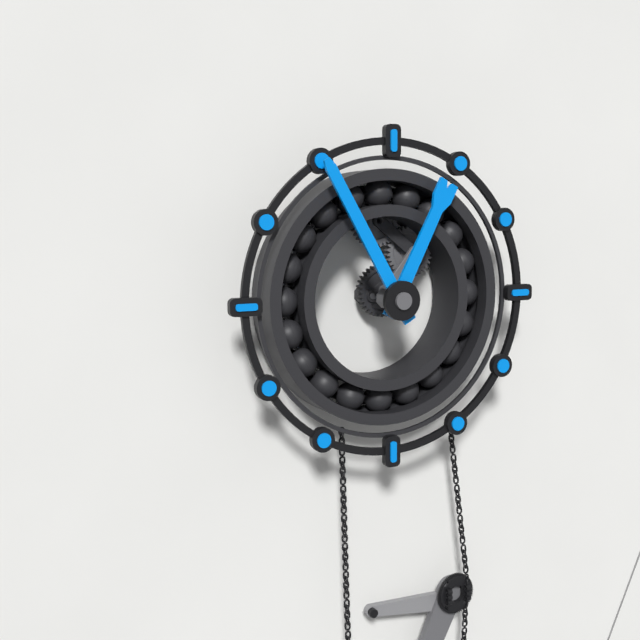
**12:55**
